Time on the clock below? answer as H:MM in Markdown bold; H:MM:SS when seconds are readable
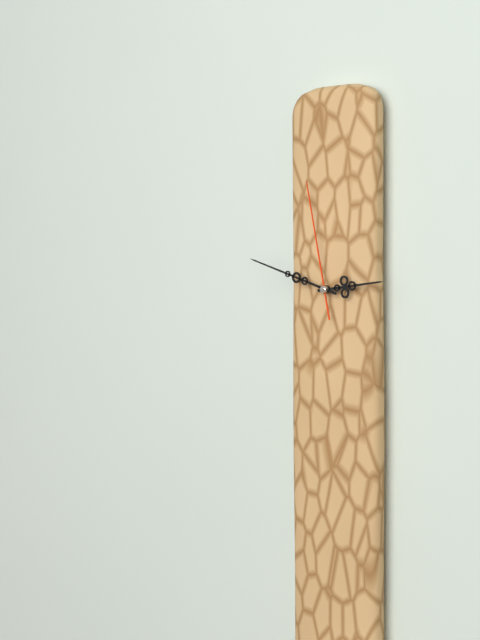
**2:48:58**
